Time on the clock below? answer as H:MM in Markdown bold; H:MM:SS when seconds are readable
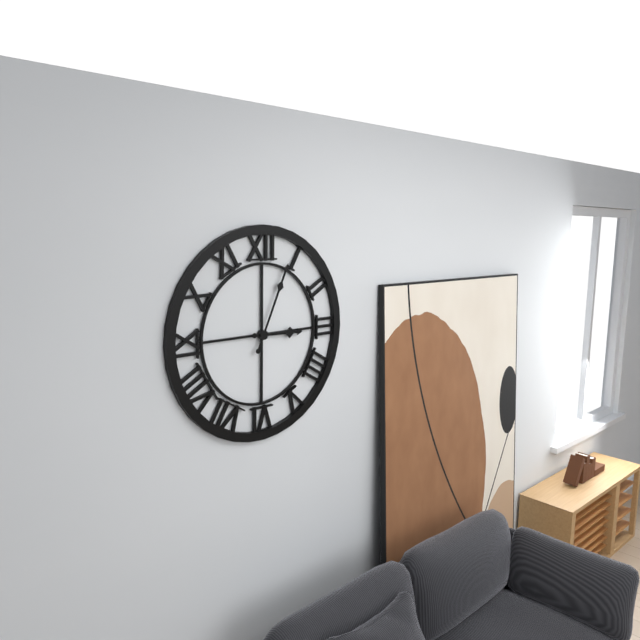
**3:04**
